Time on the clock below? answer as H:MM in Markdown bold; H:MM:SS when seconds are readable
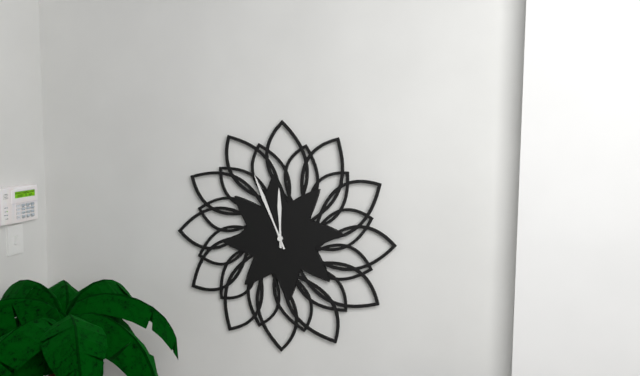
**11:56**
